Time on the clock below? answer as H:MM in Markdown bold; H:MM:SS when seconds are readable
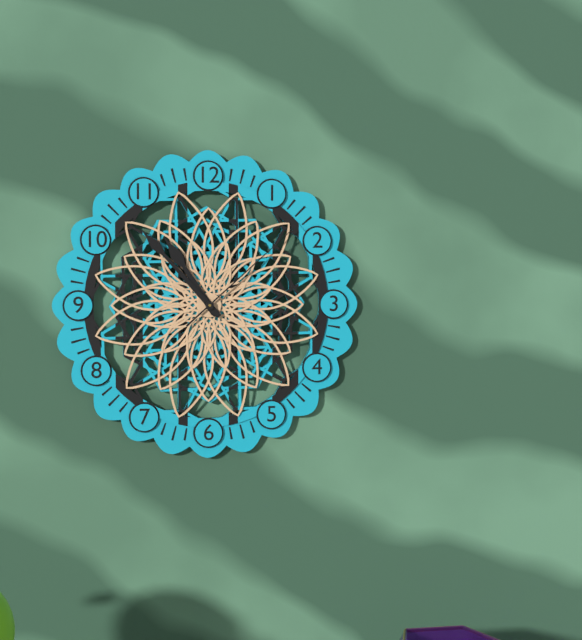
**10:53:08**
